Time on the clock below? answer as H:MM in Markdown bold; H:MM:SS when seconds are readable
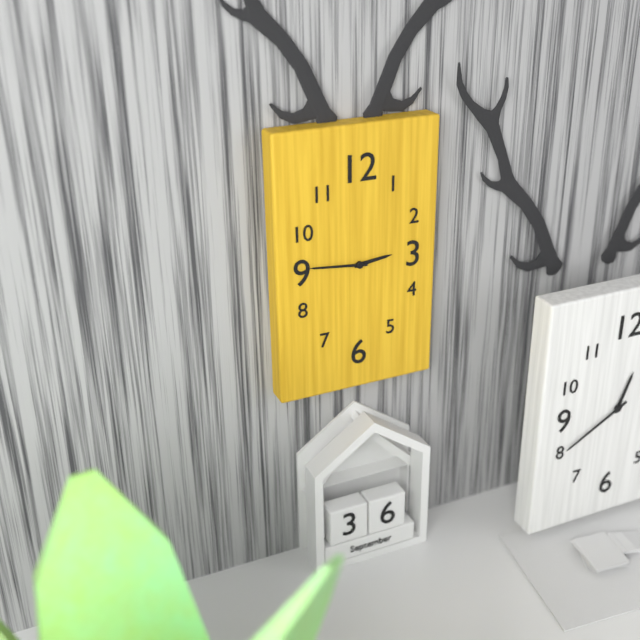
**2:46**
